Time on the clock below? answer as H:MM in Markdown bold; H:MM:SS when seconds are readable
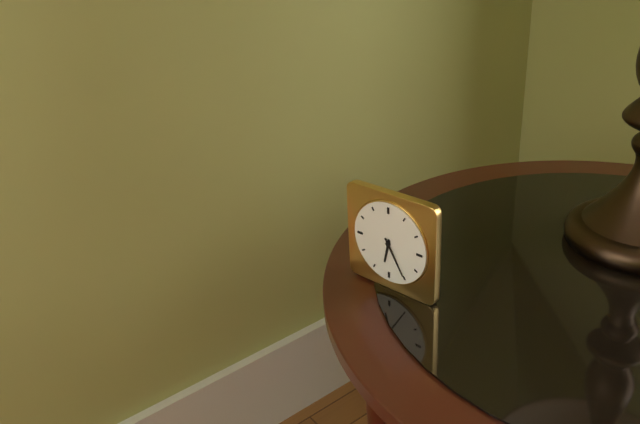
**6:25**
